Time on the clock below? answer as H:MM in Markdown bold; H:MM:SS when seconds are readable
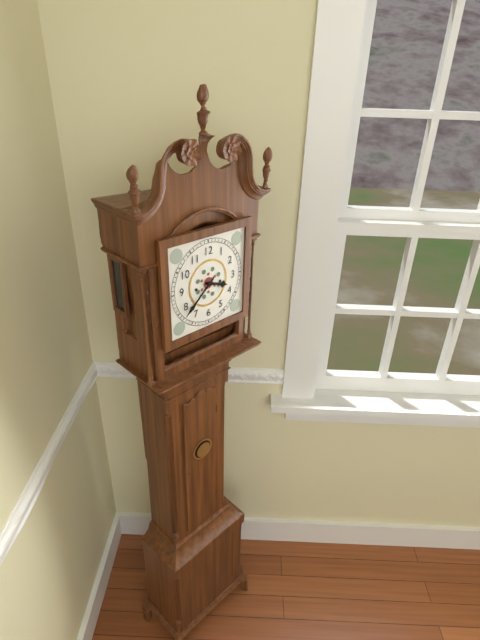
**3:38**
